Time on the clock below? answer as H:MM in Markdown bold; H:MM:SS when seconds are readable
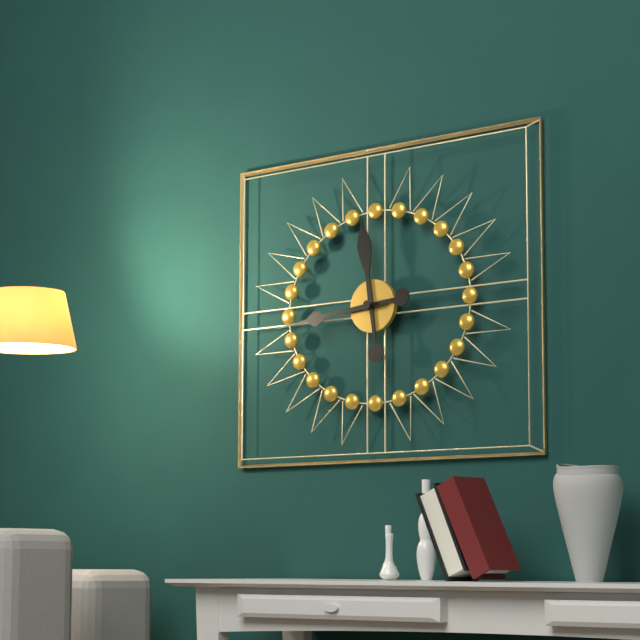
**11:44**
